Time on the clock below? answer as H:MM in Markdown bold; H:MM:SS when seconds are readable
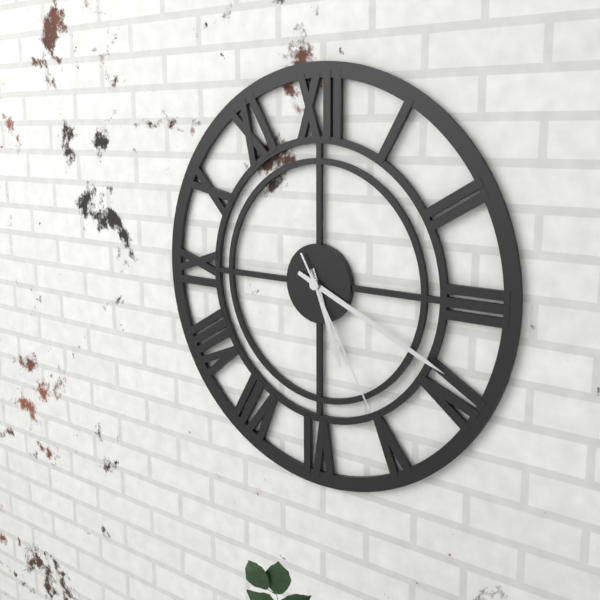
**5:19:25**
